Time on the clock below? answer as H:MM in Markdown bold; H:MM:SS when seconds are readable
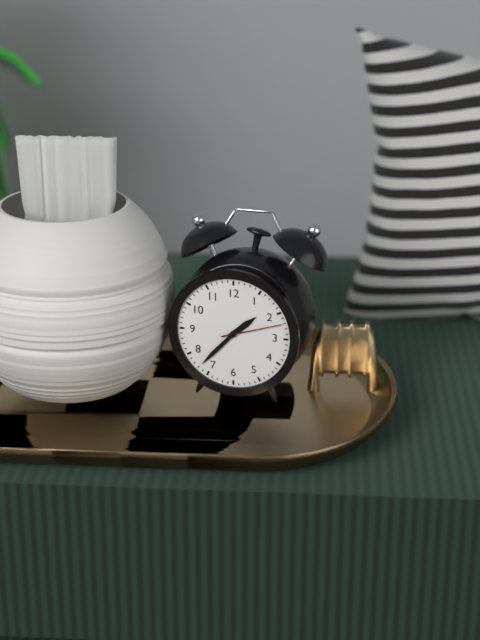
**1:37:12**
